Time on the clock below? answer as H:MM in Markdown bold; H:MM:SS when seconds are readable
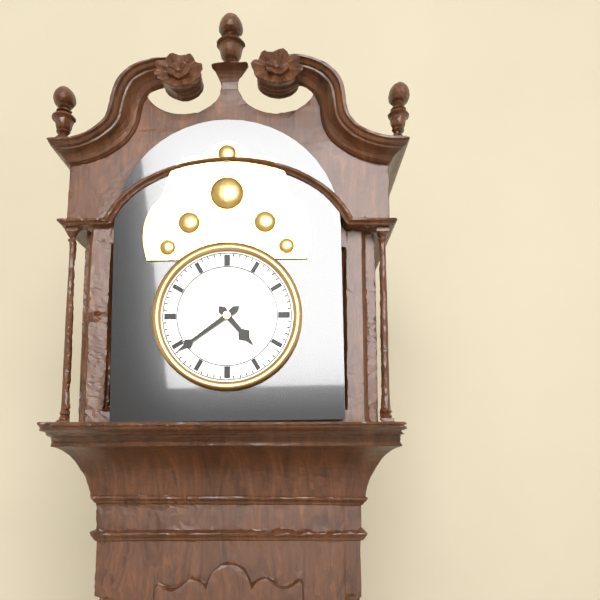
**4:39**
